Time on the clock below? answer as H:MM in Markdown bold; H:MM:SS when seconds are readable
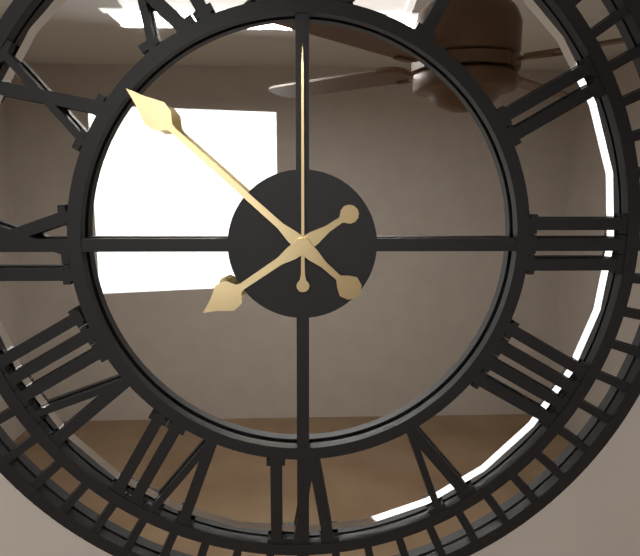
**7:52:00**
